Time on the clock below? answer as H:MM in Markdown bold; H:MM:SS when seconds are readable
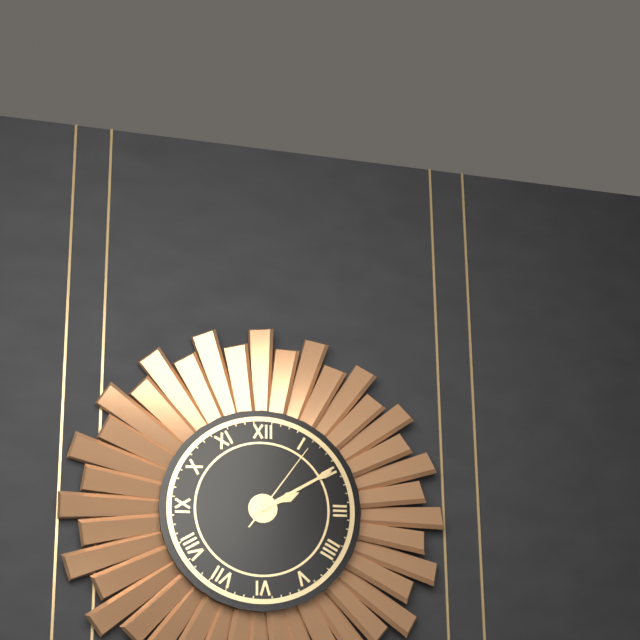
**2:10:06**
